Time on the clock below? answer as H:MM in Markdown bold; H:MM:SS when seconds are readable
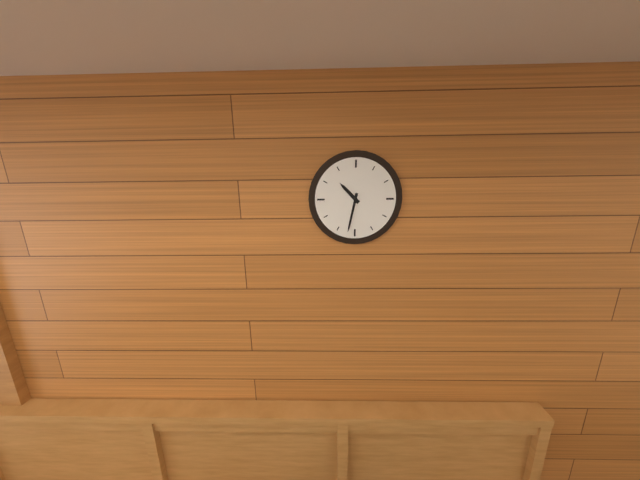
**10:32**
